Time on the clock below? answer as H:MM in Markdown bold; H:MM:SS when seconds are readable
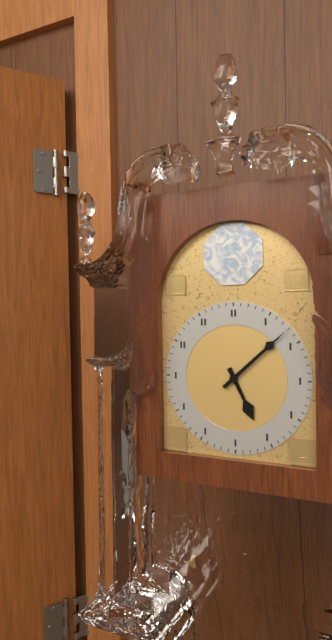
**5:08**
